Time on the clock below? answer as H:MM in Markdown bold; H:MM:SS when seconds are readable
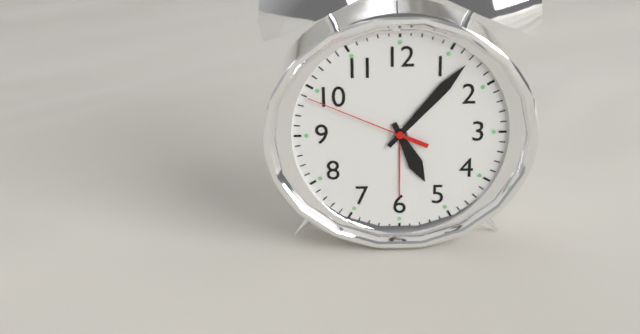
**5:07:49**
